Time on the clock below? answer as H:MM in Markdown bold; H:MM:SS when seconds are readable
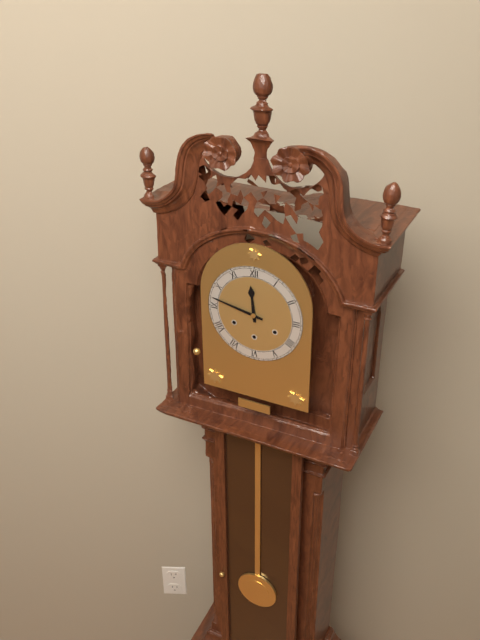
**11:47**
